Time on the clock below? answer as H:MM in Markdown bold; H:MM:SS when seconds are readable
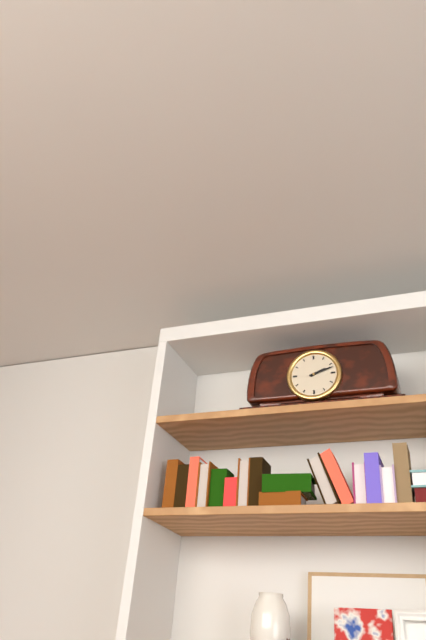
**2:12**
